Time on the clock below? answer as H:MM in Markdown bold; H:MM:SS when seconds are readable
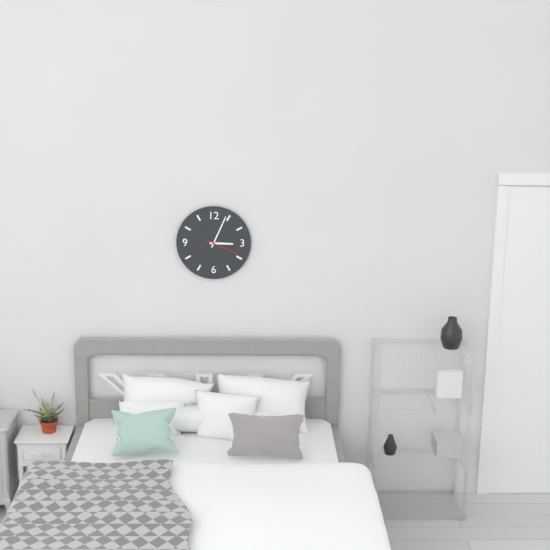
**3:04**
